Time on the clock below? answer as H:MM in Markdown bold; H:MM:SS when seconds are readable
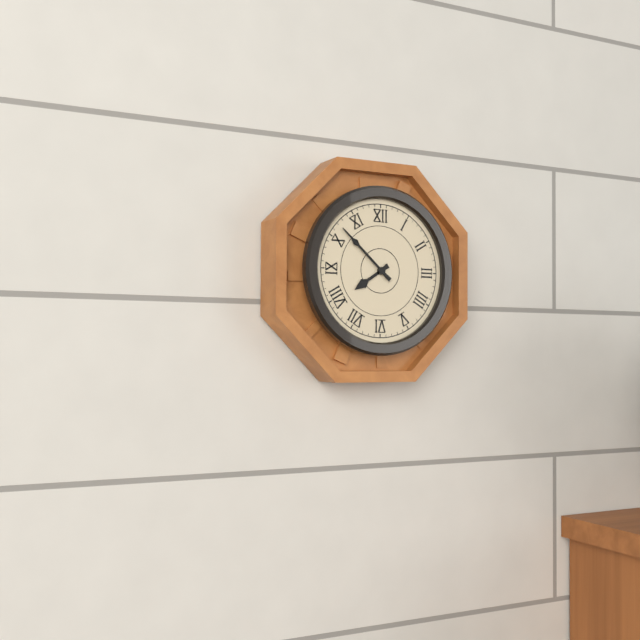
**7:52**
